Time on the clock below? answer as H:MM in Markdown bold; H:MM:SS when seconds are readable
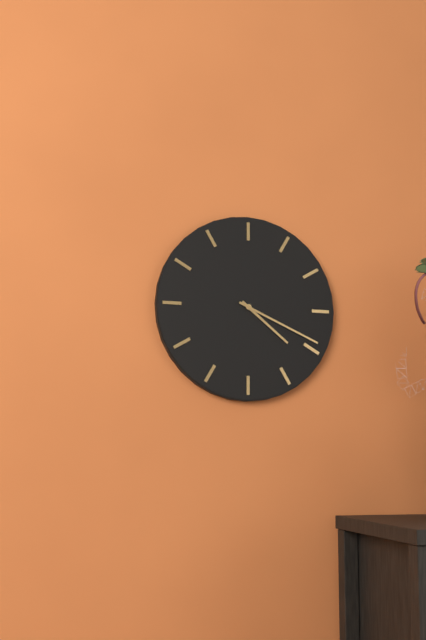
**4:19**
